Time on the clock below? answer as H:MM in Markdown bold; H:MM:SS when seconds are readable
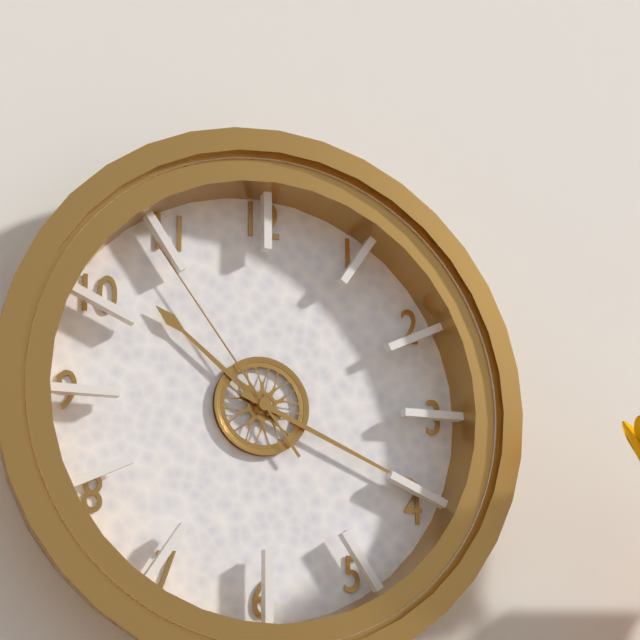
**10:19:54**
